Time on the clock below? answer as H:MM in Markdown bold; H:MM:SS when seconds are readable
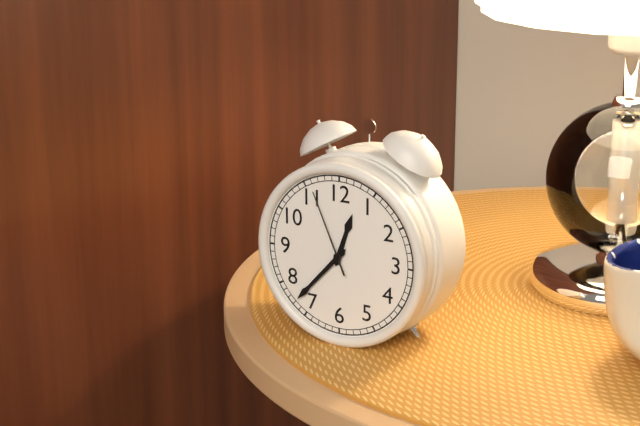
**12:37:56**
